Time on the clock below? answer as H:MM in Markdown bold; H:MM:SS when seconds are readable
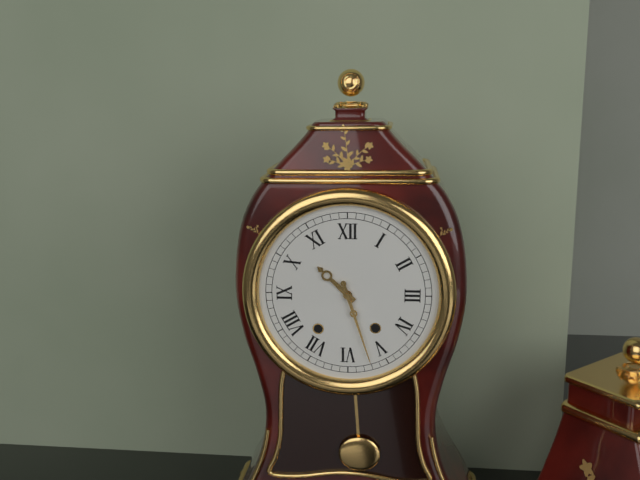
**10:27**
